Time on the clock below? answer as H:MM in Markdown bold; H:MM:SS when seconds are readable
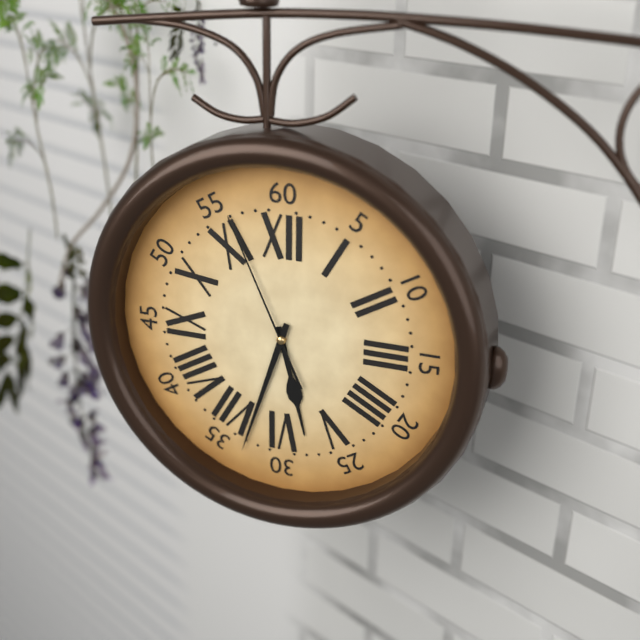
**5:33:56**
